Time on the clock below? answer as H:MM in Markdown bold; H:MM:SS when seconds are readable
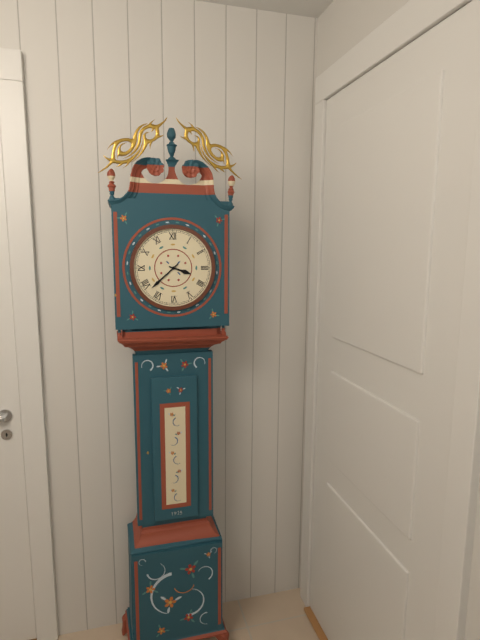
**3:38**
